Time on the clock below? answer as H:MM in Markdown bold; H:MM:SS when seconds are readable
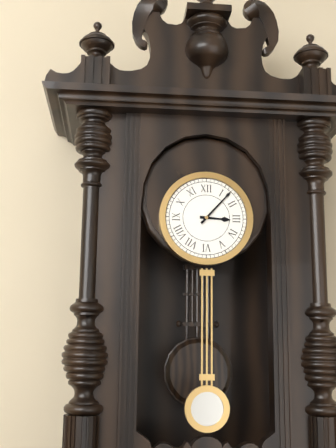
**3:07**
